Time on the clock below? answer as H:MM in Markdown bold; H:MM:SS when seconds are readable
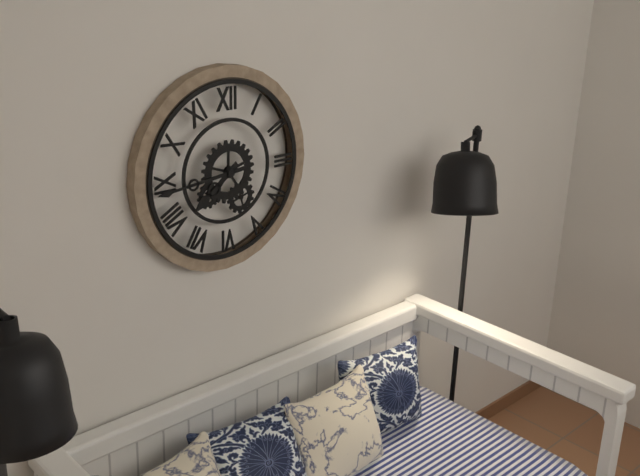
**7:44**
